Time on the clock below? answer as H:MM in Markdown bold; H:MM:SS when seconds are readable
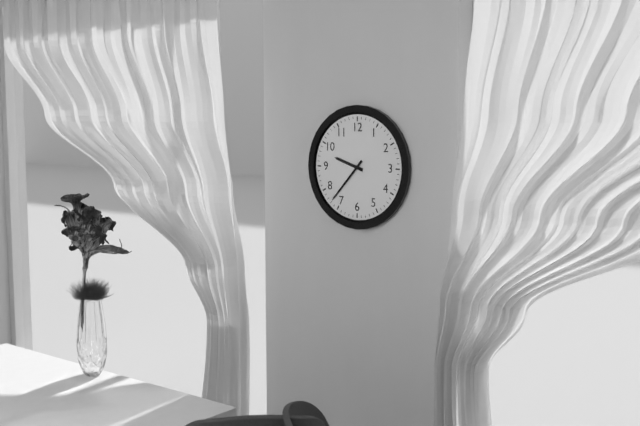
**9:37**
